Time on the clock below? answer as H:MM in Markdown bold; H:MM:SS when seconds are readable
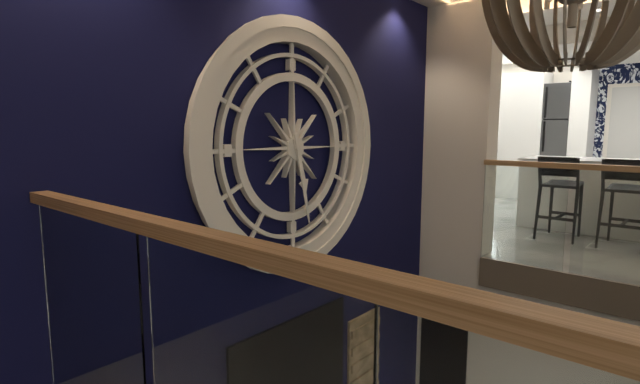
**5:28**
